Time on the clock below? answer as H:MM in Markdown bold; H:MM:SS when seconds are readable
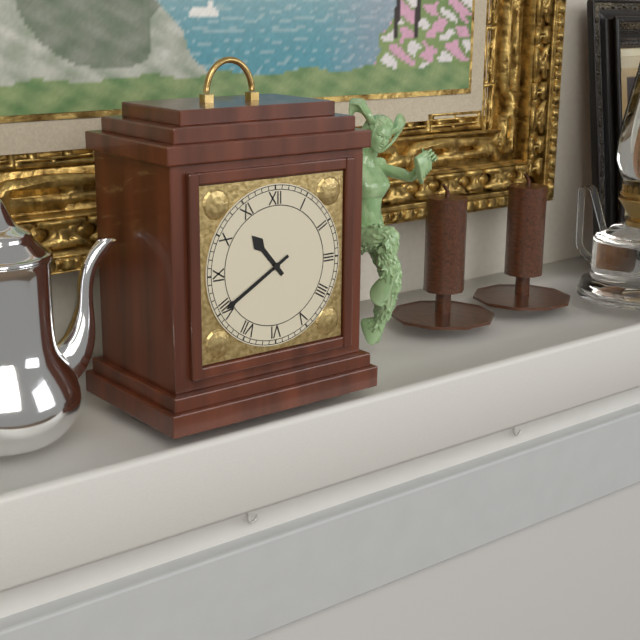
**10:40**
